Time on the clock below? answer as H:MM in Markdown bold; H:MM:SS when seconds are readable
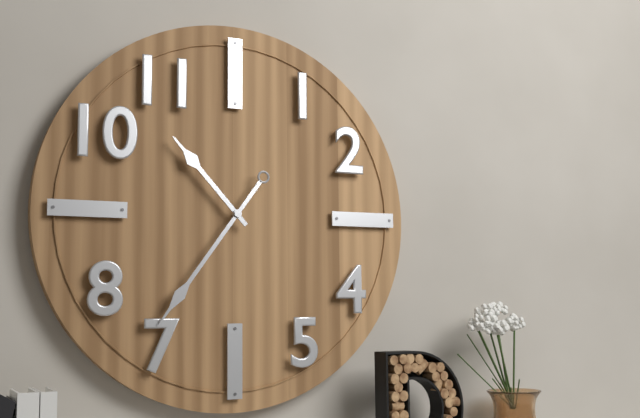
**10:36**
